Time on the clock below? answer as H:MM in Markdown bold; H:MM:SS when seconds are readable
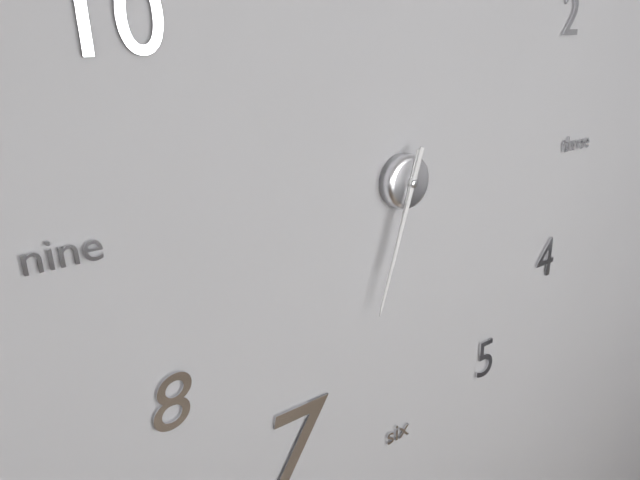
**6:33**
